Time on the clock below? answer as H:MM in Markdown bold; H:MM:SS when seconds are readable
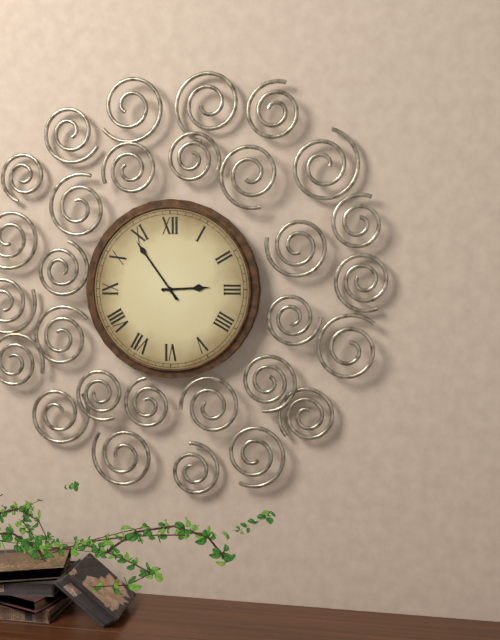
**2:54**
